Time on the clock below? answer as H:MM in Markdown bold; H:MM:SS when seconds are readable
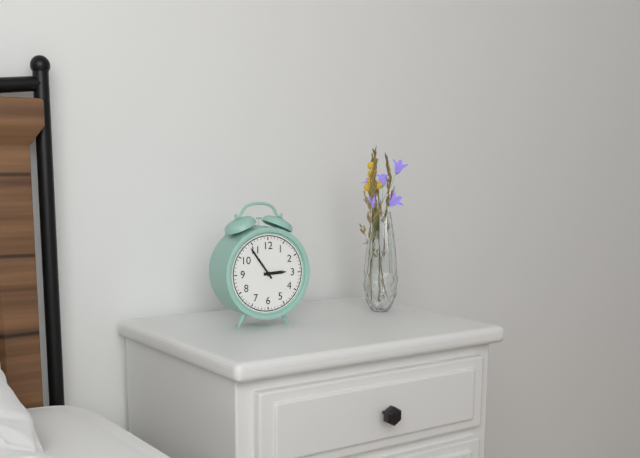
**2:54**
